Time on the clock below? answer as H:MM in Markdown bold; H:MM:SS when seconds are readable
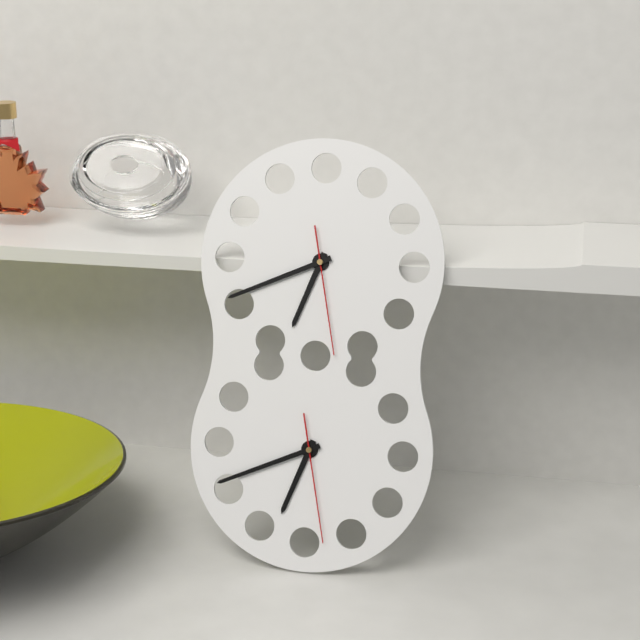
**6:41:28**
